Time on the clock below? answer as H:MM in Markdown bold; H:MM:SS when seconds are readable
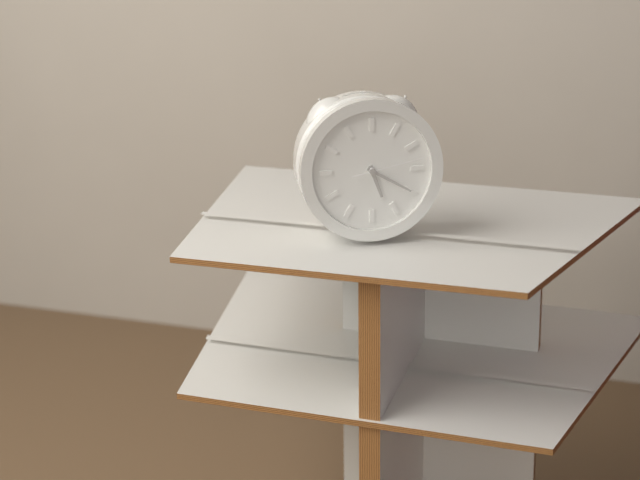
**5:20:13**
